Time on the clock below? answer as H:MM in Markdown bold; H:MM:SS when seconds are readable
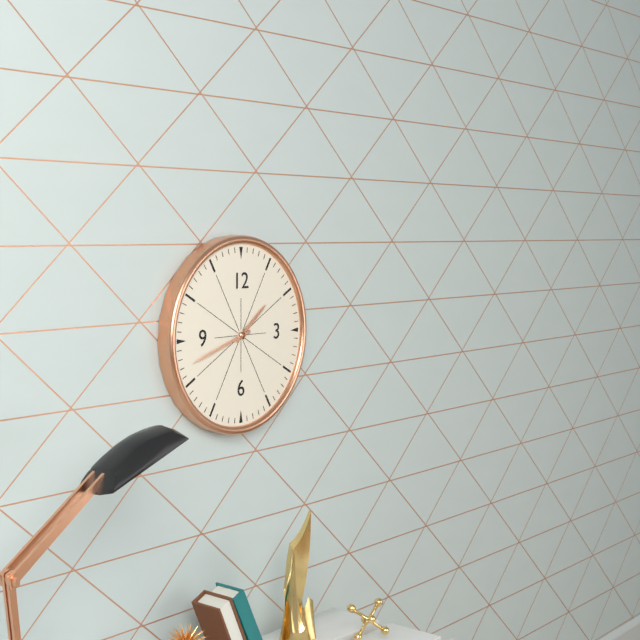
**1:42**
